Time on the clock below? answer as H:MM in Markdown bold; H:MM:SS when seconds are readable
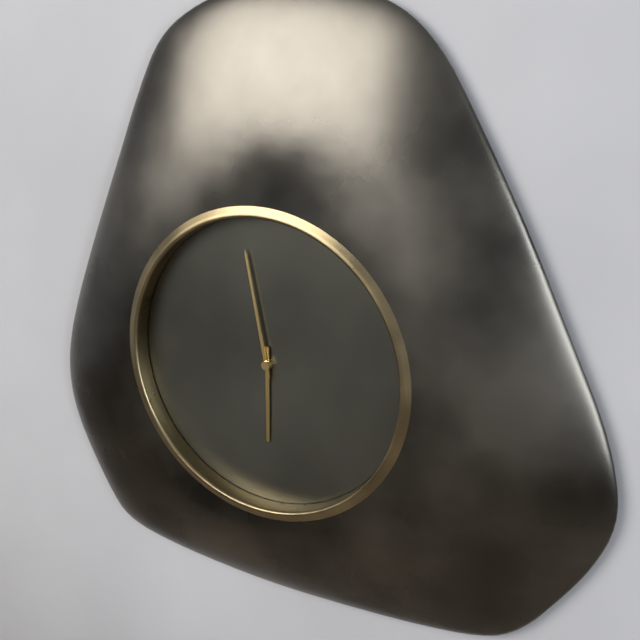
**5:58**
